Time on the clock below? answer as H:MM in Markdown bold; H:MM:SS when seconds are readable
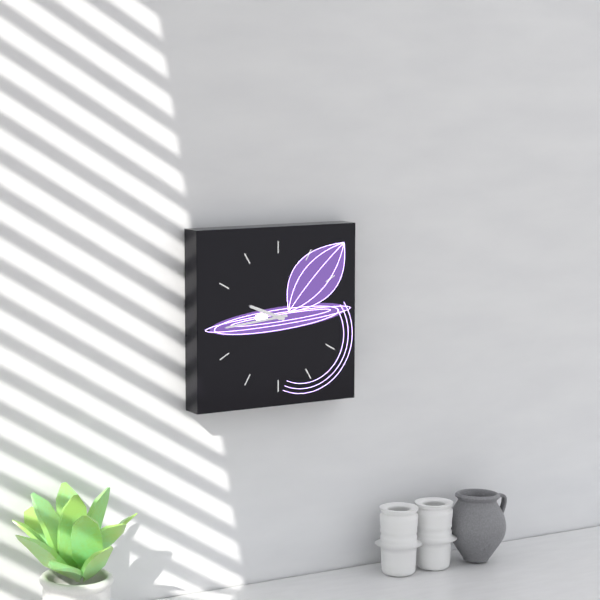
**9:44**
